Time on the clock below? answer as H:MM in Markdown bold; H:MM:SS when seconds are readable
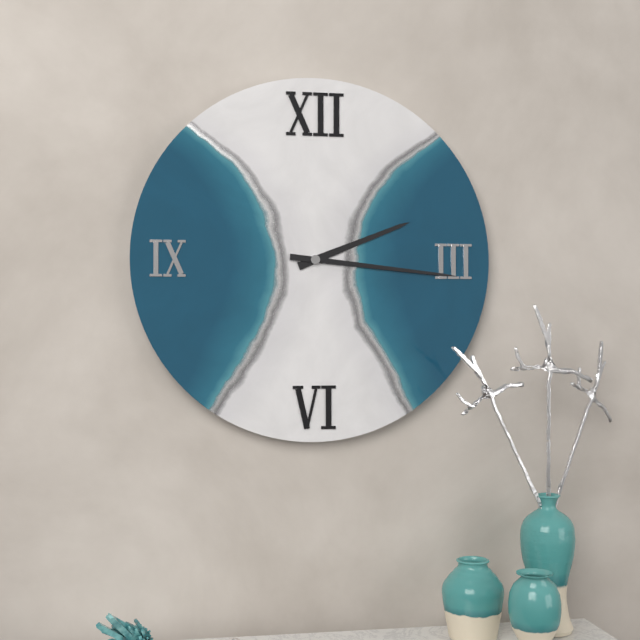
**2:16**
